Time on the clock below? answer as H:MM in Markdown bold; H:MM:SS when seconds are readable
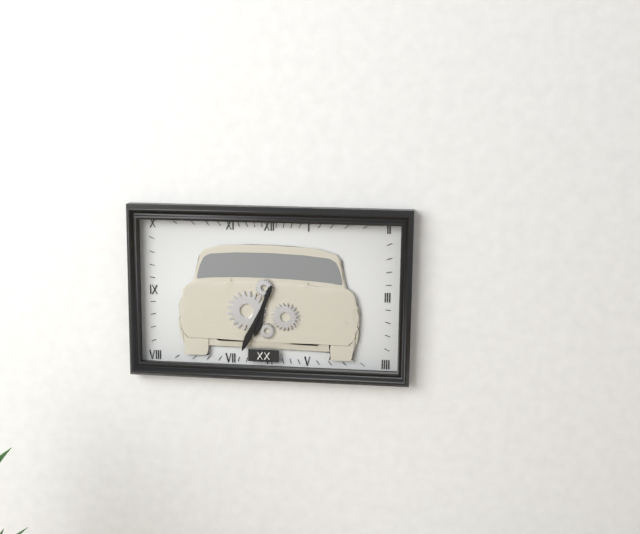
**6:34**
